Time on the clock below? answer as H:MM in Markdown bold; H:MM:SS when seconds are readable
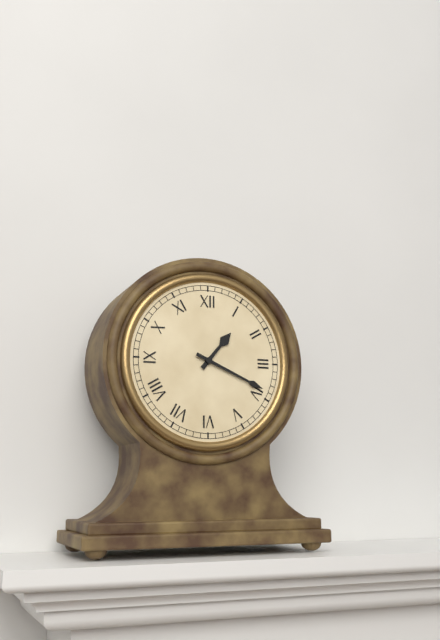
**1:19**
